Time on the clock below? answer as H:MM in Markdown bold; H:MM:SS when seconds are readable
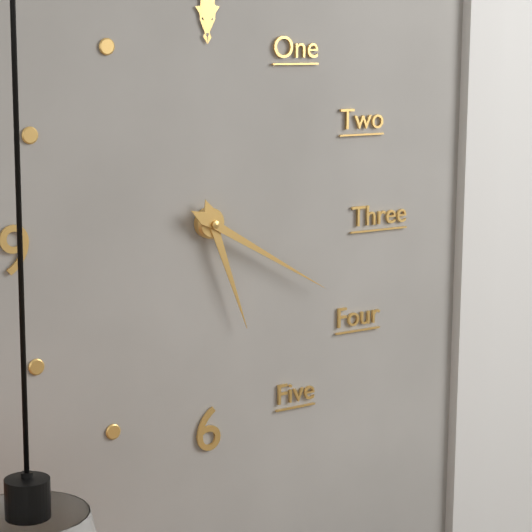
**5:20**
